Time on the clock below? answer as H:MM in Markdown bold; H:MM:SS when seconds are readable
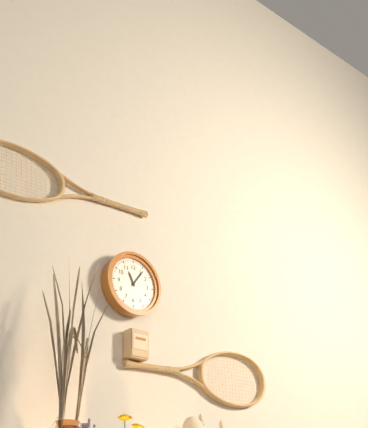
**11:06**
